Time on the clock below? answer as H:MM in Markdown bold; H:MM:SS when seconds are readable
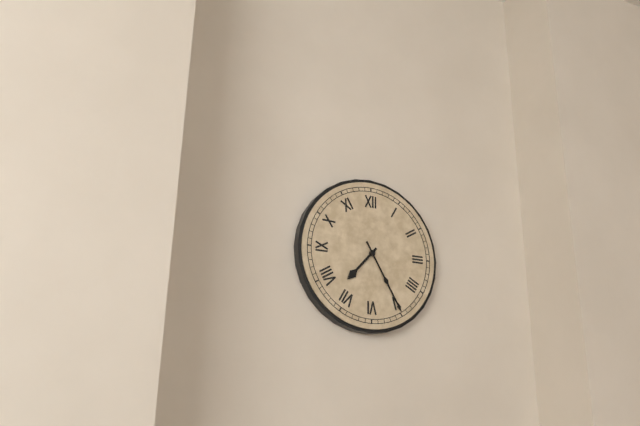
**7:25**
